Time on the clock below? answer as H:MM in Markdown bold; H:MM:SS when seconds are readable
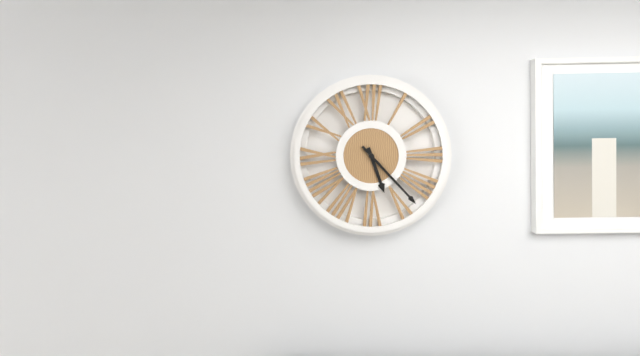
**5:23**
